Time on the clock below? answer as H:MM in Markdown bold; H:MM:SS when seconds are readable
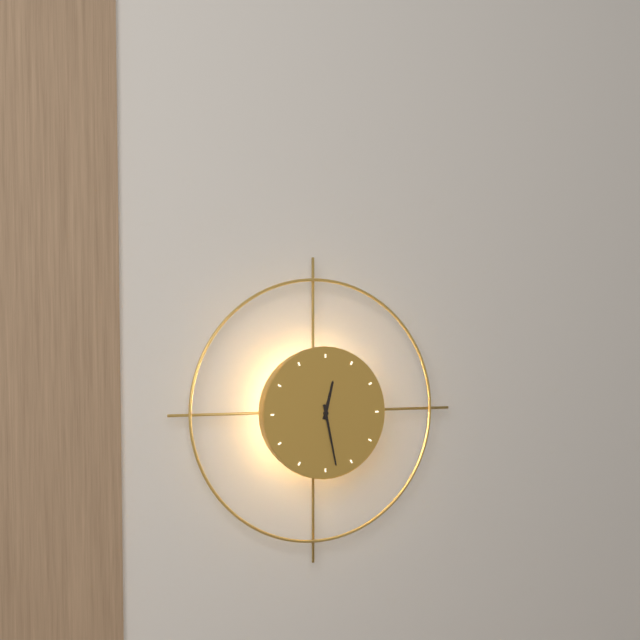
**12:28**
